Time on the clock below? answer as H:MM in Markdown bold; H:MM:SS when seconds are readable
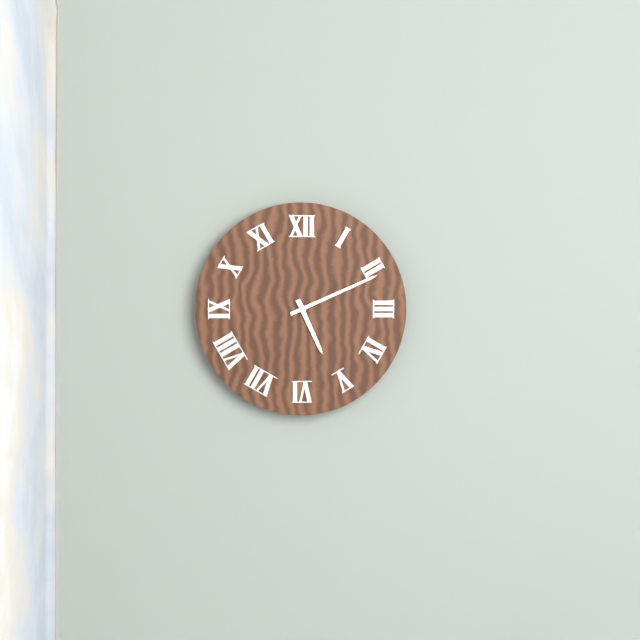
**5:11**
